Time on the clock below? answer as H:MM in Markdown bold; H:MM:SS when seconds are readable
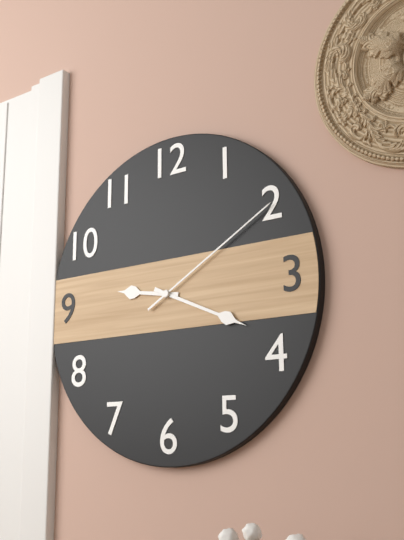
**9:19:10**
